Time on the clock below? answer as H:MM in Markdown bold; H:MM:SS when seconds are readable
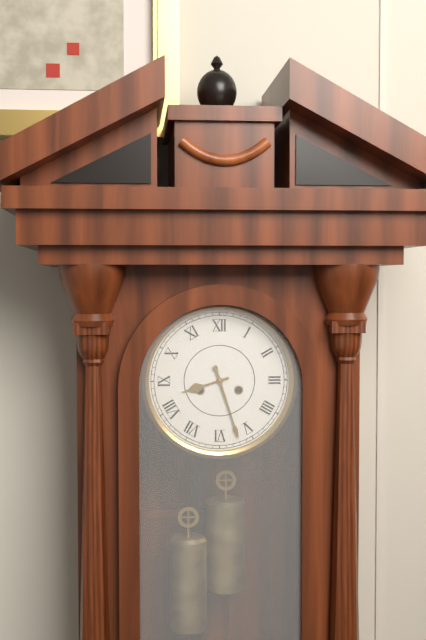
**8:27**
